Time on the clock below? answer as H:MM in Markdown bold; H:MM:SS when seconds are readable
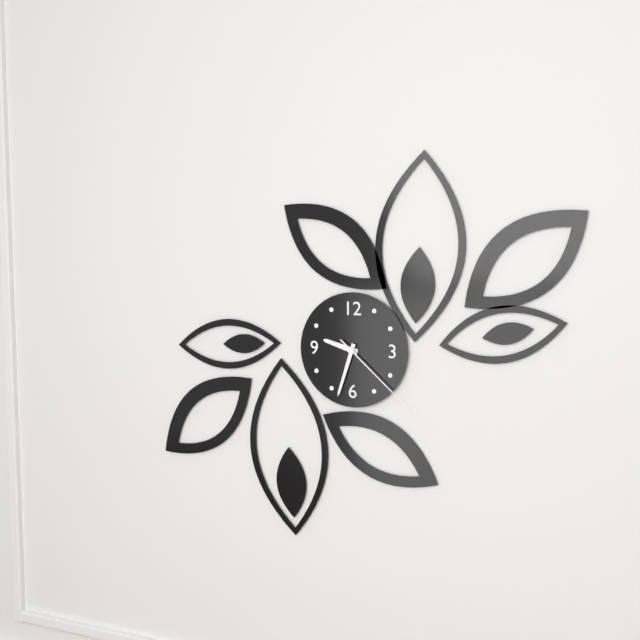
**9:33:22**
